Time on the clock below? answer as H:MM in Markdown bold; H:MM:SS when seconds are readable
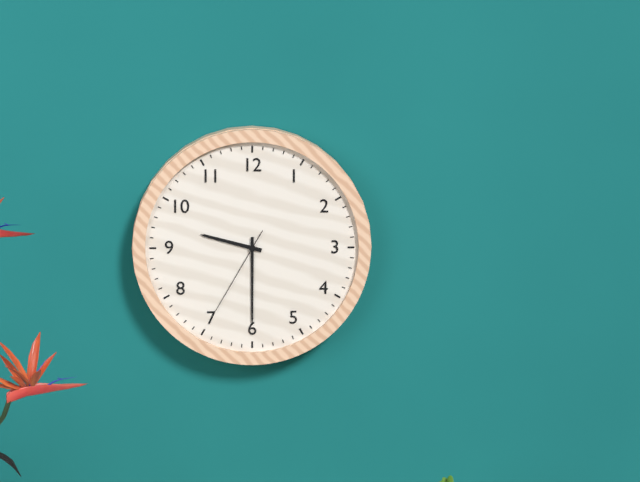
**9:30:35**
